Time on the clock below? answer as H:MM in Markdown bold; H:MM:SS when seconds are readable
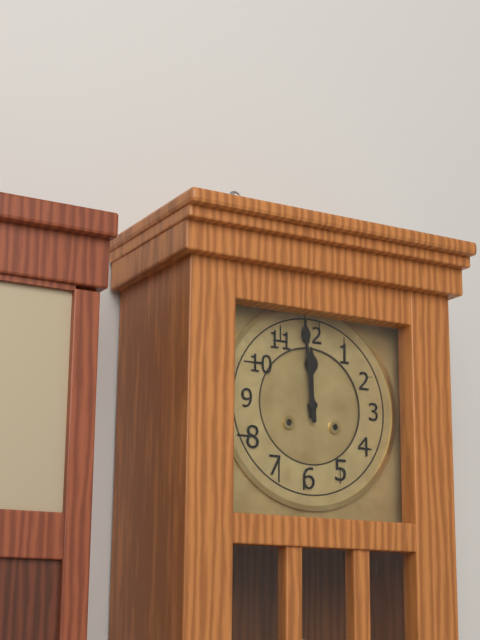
**11:59**
